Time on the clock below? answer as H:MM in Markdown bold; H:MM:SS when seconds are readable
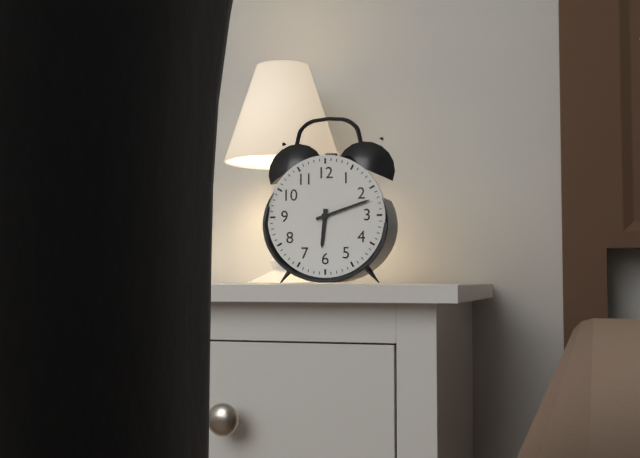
**6:12**
